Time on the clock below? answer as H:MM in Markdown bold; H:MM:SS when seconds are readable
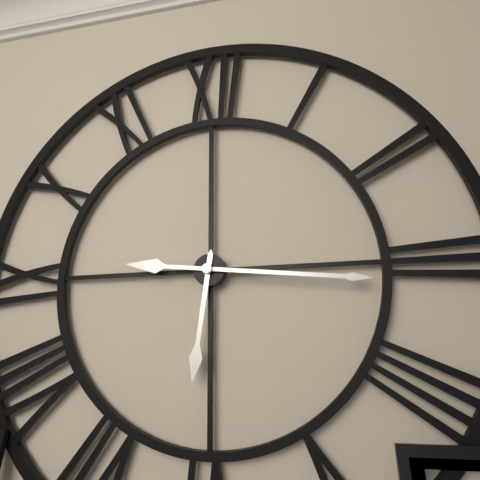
**6:16**
